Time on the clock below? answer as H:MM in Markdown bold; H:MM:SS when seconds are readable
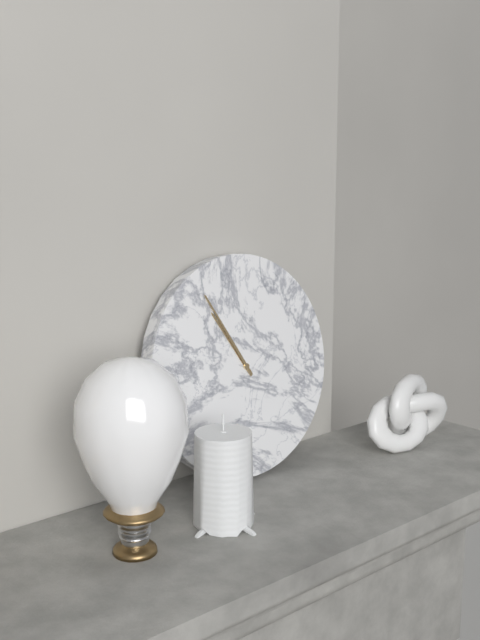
**10:55**
